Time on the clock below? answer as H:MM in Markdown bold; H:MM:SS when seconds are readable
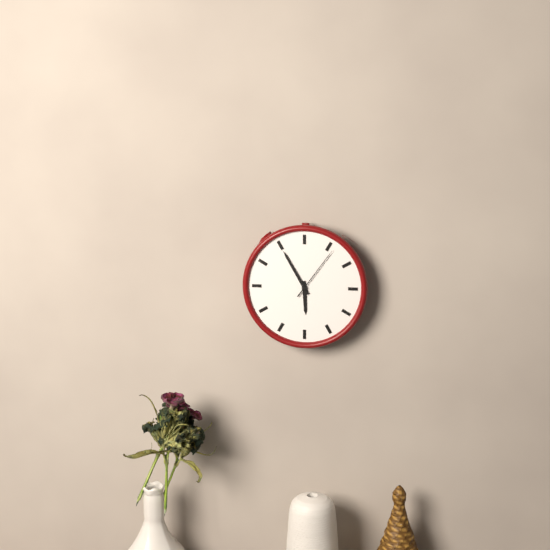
**5:55:06**
